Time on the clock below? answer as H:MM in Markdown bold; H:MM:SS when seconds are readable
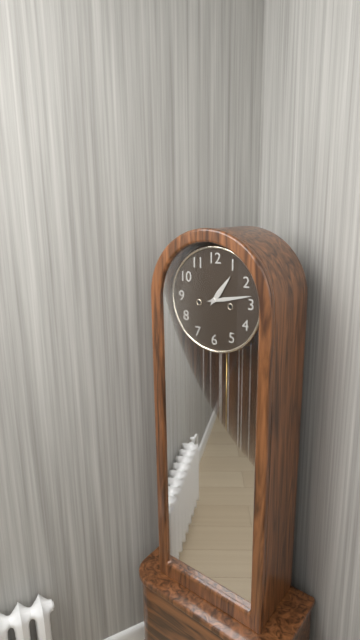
**1:13**
